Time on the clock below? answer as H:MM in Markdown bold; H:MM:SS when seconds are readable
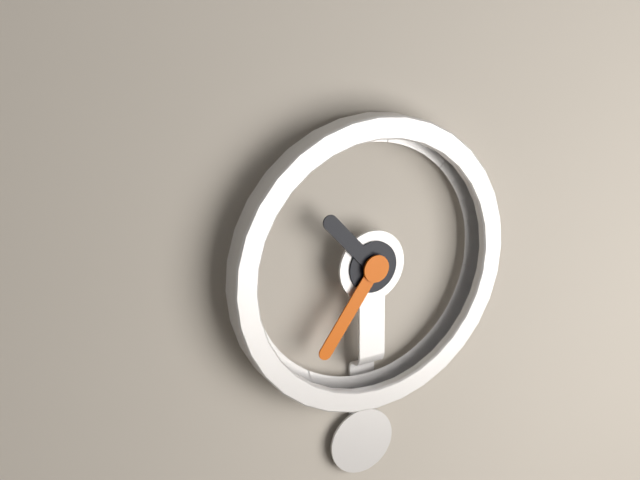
**10:36**
